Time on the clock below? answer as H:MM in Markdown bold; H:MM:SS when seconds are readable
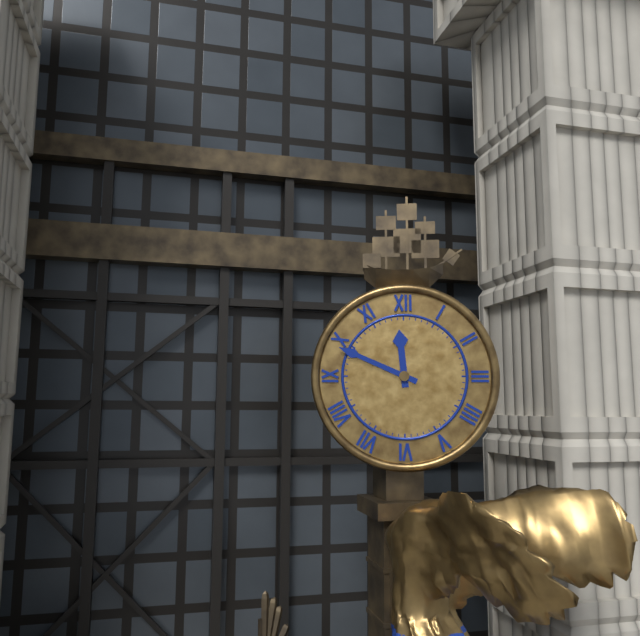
**11:49**
